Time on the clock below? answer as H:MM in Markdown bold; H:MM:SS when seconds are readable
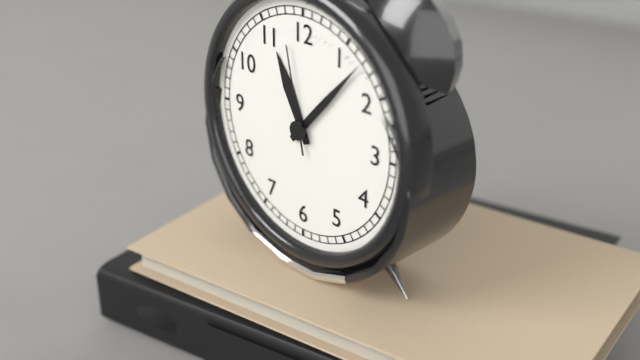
**11:07:58**
